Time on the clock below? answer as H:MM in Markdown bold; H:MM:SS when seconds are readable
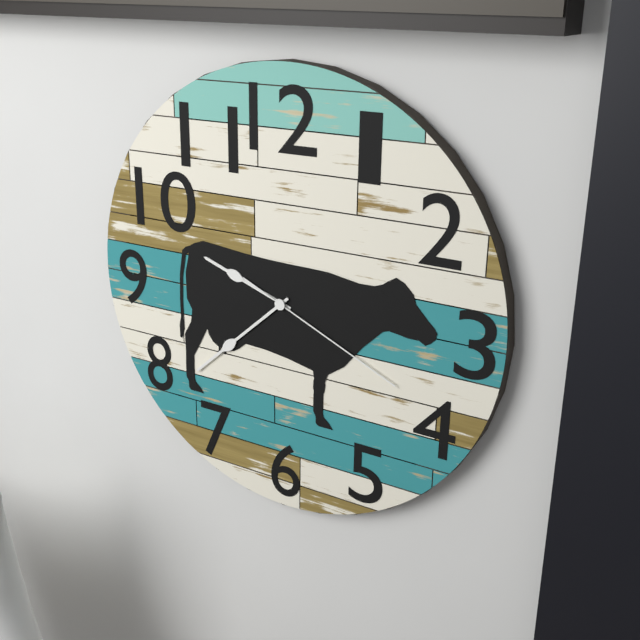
**9:38:19**
